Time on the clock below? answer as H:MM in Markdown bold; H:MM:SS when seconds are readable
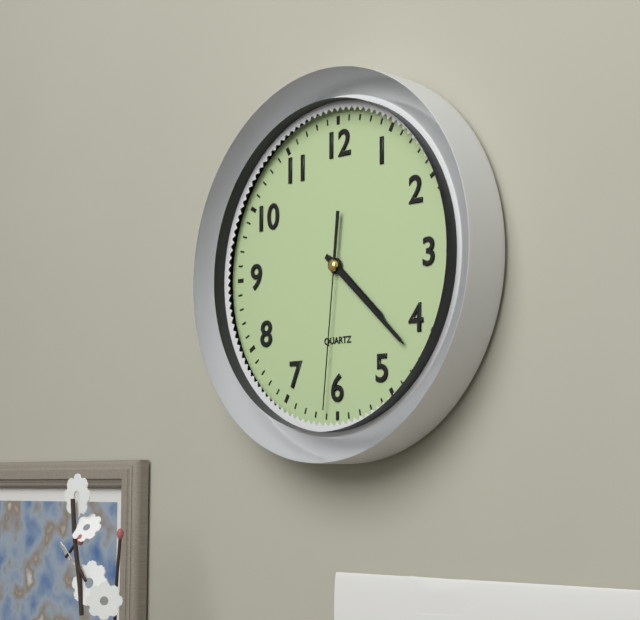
**4:22:31**
